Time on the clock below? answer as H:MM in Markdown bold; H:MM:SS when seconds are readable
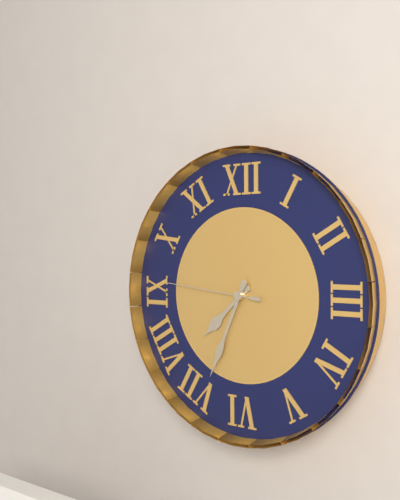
**7:34:46**
